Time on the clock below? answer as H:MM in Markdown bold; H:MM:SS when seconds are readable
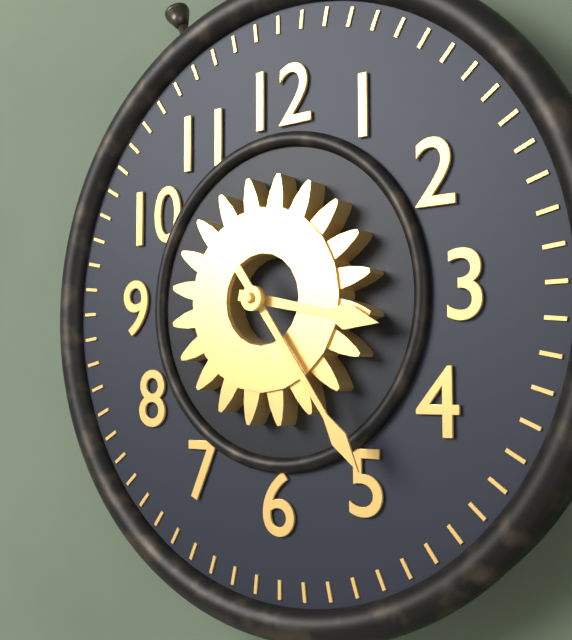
**3:24**
